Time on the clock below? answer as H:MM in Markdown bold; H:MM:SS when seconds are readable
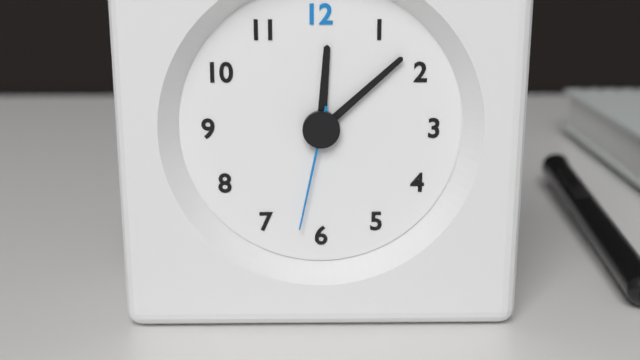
**12:08:32**
